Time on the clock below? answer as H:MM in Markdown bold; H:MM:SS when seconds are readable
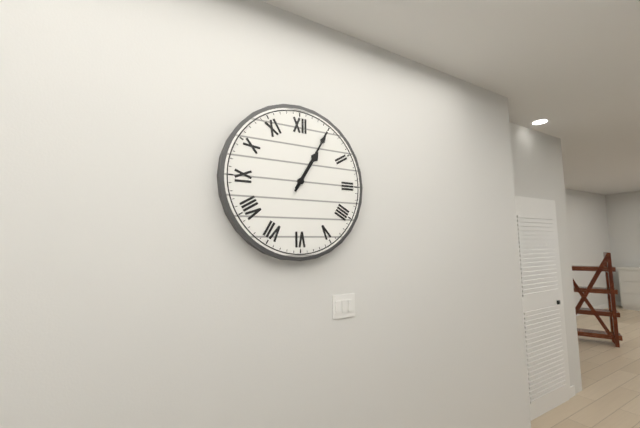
**1:05**
